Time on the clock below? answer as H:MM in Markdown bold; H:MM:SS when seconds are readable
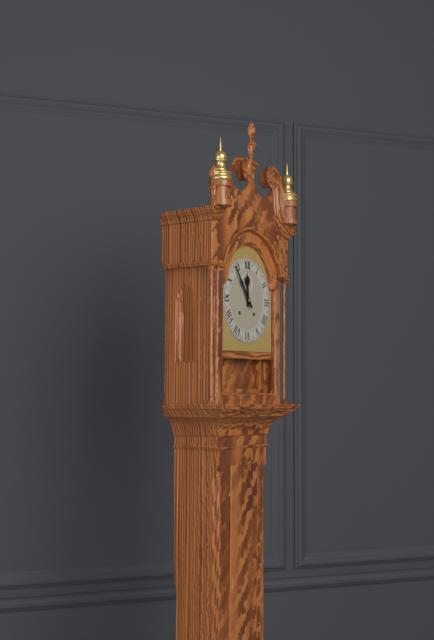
**11:54**
